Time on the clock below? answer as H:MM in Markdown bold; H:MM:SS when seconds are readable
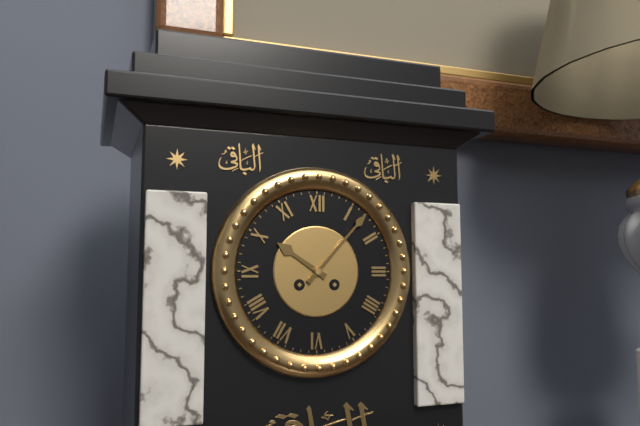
**10:07**
